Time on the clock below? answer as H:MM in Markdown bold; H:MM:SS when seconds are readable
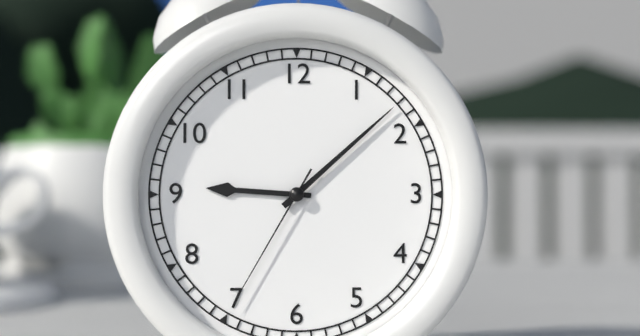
**9:08:35**
